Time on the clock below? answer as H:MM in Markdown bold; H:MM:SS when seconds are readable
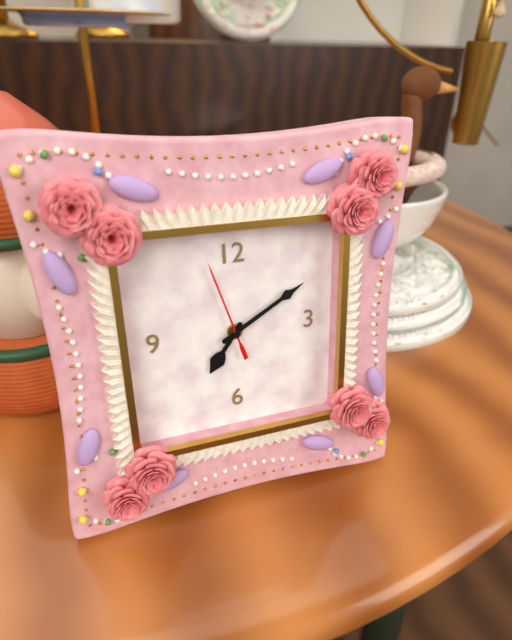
**7:10:57**
